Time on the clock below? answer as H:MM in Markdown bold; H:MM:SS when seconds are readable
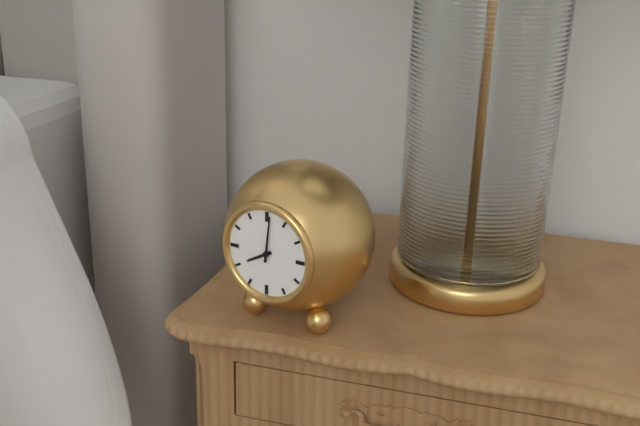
**8:01**
